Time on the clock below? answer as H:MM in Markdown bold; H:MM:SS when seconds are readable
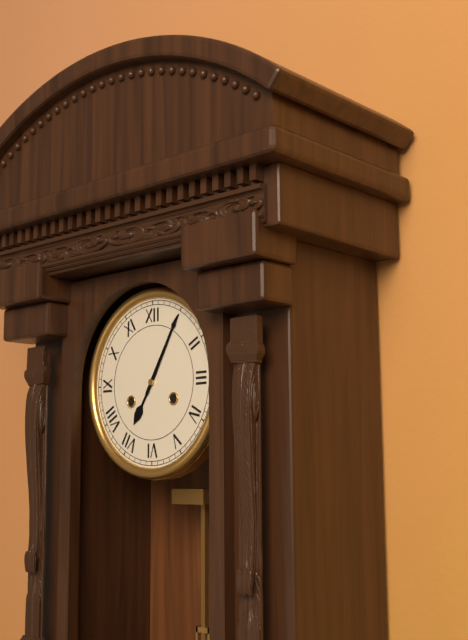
**7:05**
